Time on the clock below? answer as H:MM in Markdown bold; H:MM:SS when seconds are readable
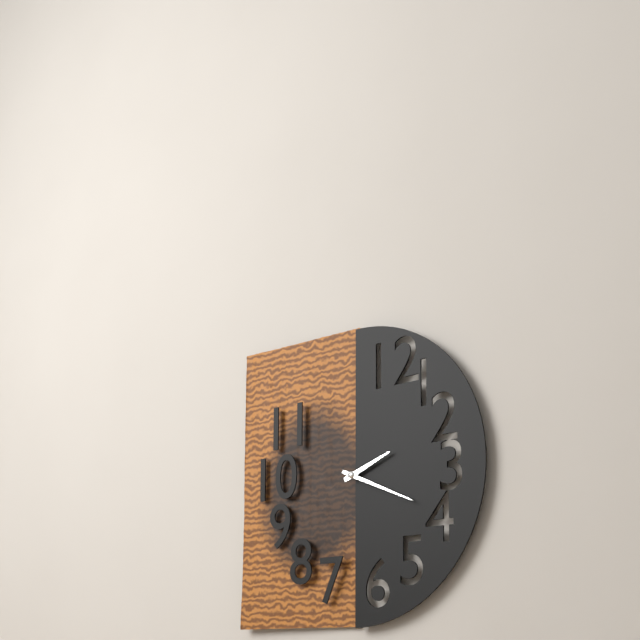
**2:19**
